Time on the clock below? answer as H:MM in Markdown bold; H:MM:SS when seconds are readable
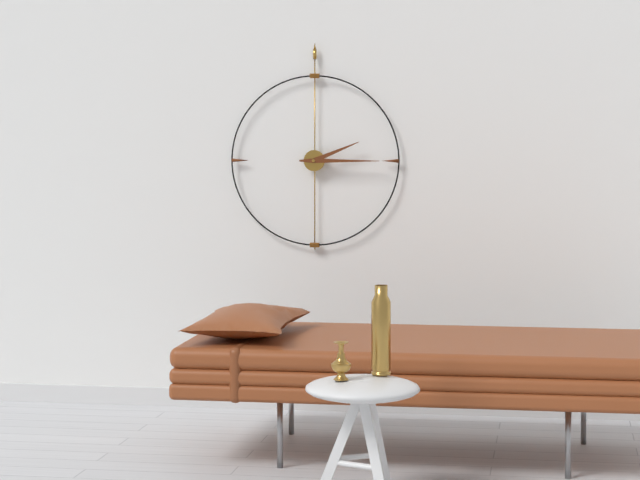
**2:15**
